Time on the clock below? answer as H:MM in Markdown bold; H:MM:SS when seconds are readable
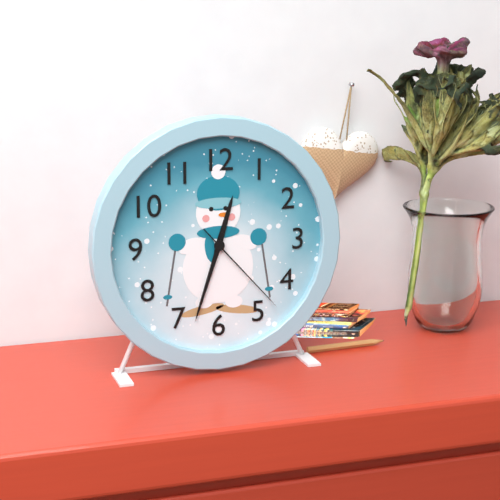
**12:33:23**
